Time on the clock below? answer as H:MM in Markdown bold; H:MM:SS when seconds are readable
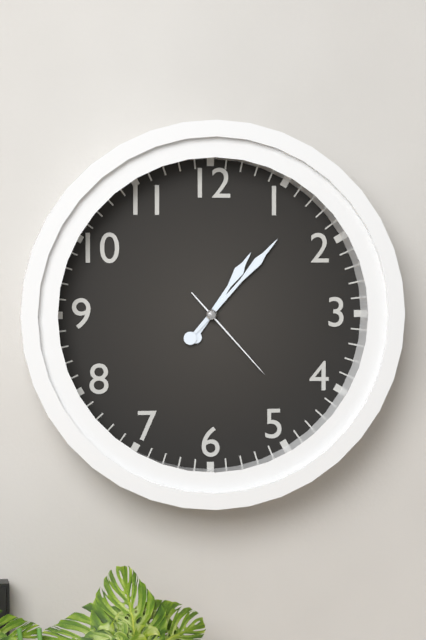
**1:07:23**
